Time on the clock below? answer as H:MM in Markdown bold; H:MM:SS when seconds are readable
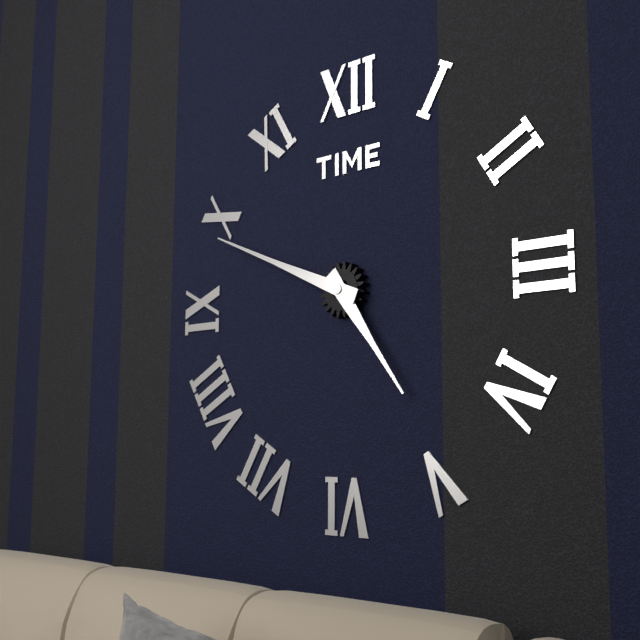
**4:49**
